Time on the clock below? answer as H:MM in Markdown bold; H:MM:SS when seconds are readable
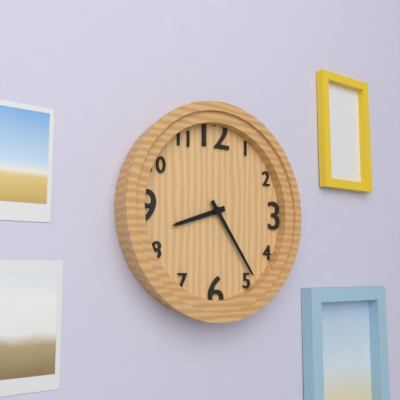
**8:24**
